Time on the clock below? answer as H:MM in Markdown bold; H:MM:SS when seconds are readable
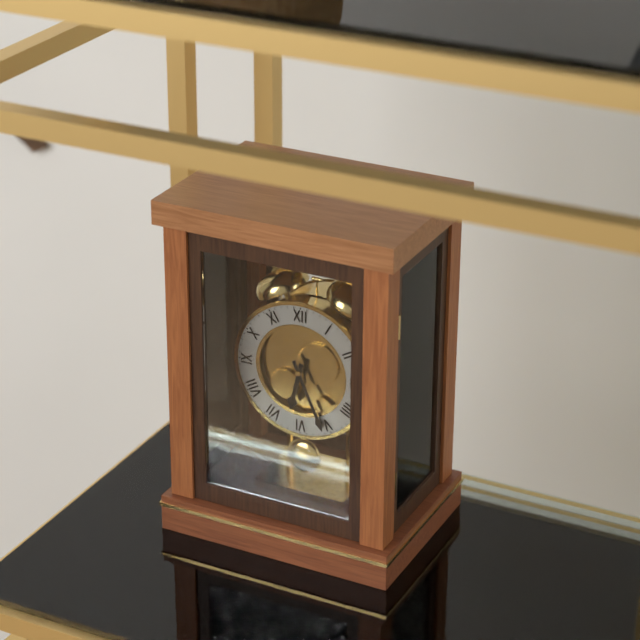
**6:26**
